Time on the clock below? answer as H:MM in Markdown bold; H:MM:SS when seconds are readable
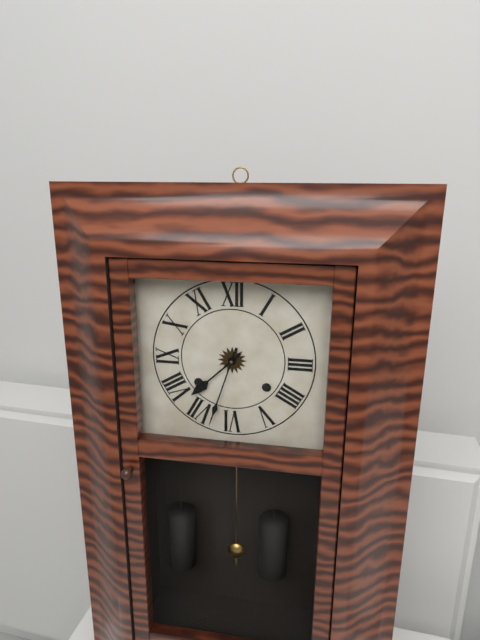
**7:33**
